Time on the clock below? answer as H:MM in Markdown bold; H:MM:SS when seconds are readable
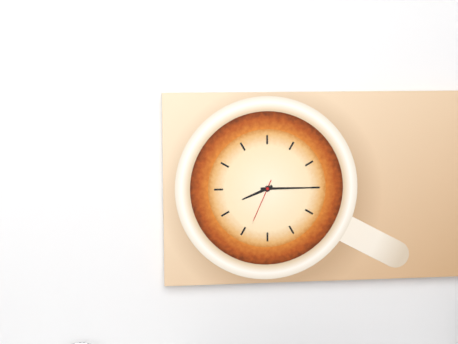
**8:15**
